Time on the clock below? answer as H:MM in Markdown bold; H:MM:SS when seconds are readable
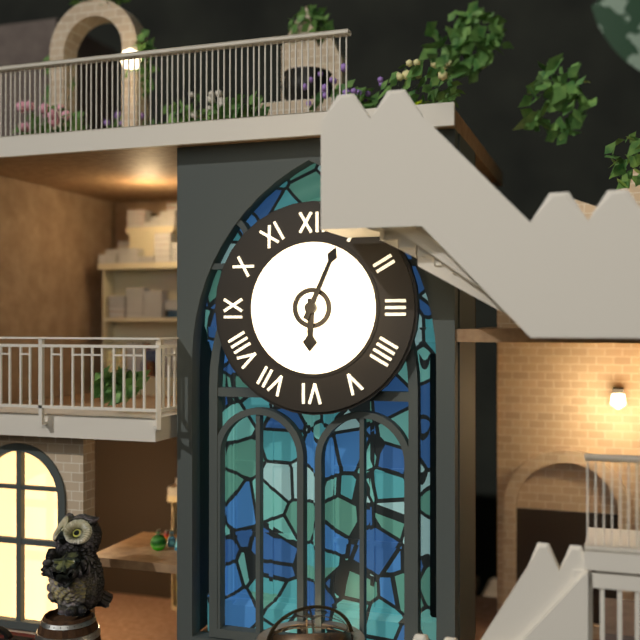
**6:04**
